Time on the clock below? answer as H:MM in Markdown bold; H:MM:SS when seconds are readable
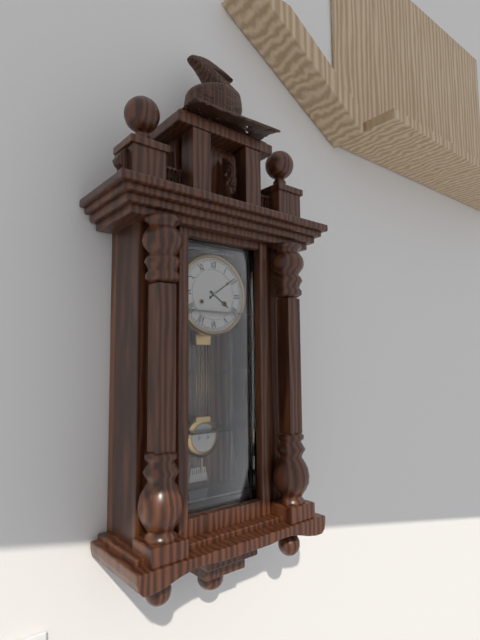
**4:09**
